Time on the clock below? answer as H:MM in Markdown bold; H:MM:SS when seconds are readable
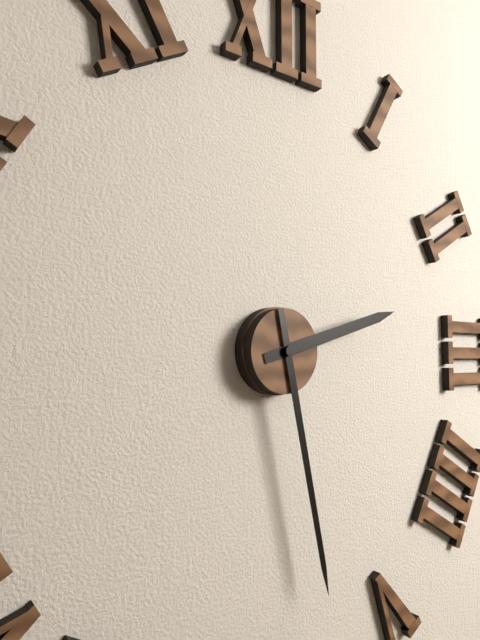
**2:28**
